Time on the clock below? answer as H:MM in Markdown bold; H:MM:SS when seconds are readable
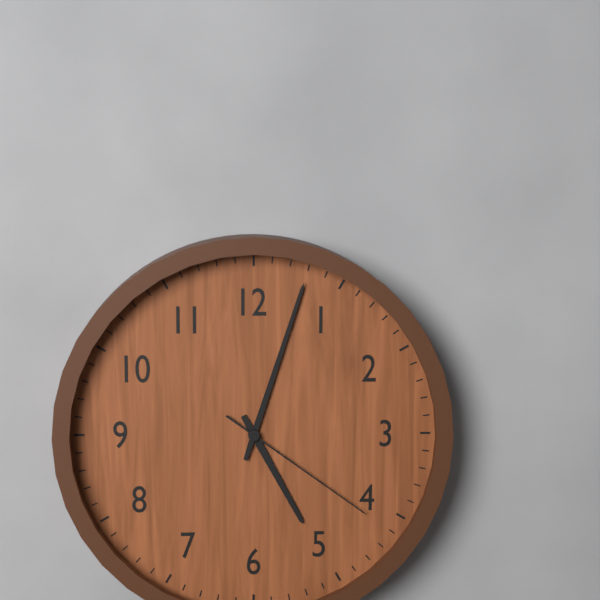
**5:03:21**
